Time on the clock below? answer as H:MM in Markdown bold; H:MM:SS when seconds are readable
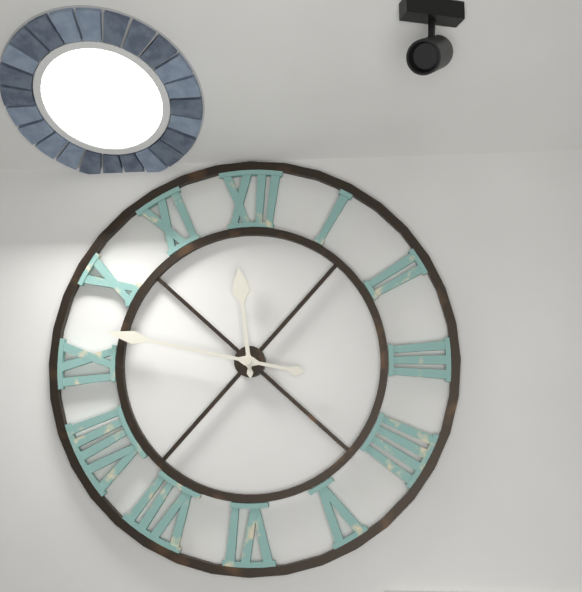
**11:47**
